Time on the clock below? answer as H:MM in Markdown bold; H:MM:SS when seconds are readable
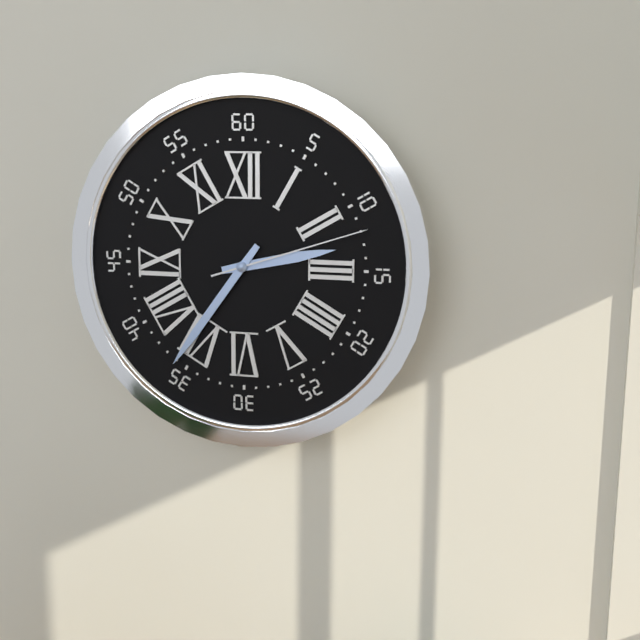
**2:36:12**
